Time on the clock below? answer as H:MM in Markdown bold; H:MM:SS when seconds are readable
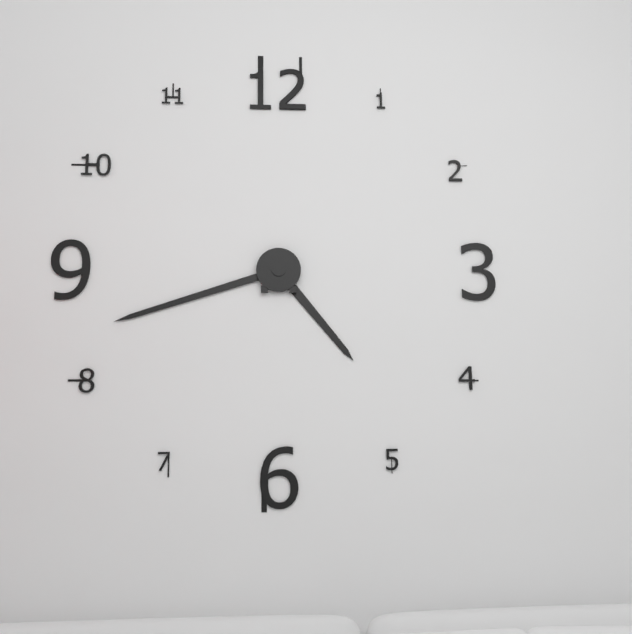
**4:42**
